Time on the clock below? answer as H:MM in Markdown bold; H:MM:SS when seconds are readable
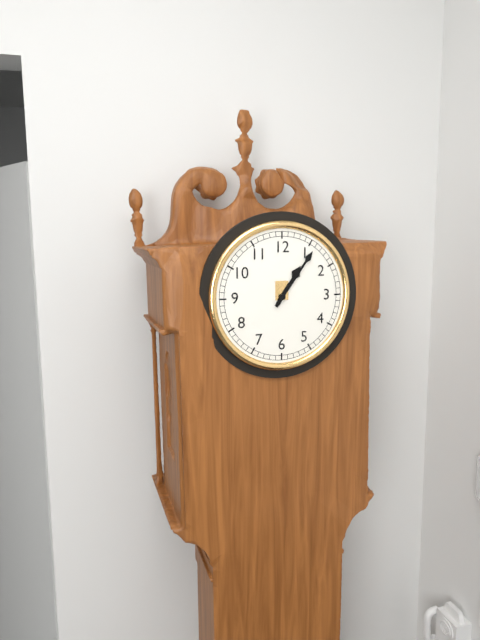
**1:06**
